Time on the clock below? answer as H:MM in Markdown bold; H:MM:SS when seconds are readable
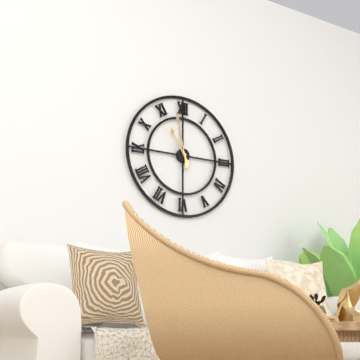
**10:58**
